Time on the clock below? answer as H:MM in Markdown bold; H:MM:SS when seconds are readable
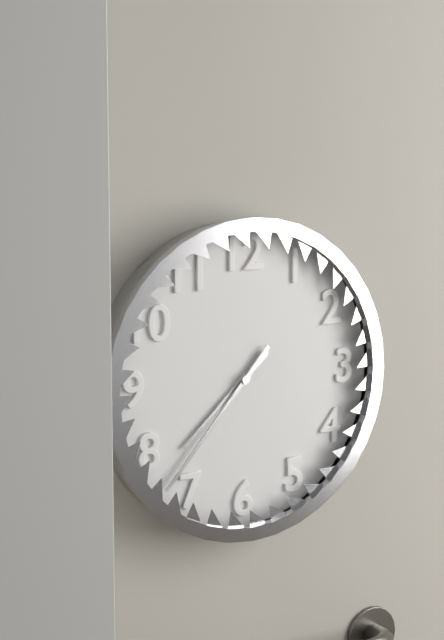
**7:37**
